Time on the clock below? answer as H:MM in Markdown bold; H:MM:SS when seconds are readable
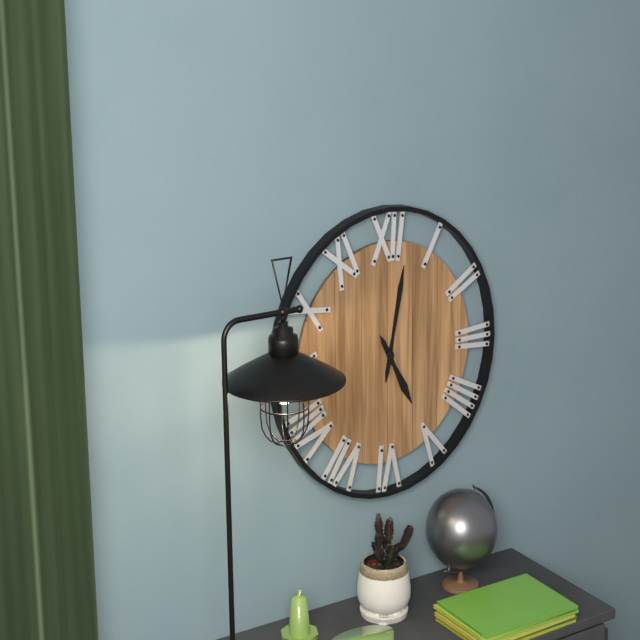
**5:02**
